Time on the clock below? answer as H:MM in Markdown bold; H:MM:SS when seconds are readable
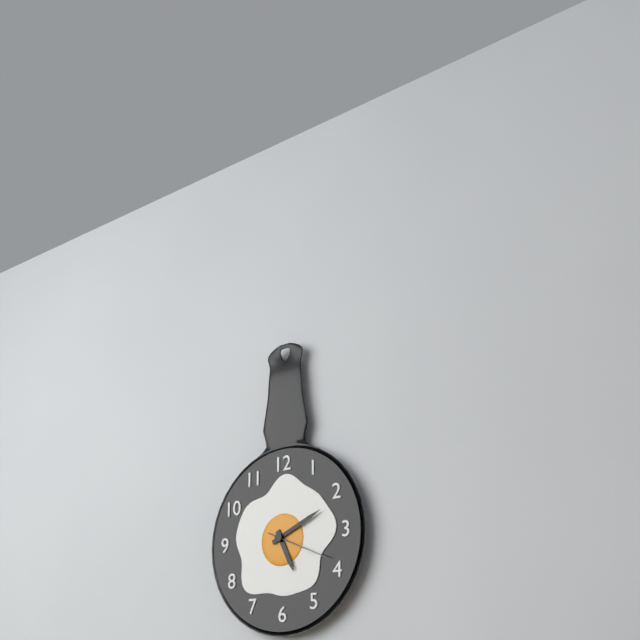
**5:11:19**
